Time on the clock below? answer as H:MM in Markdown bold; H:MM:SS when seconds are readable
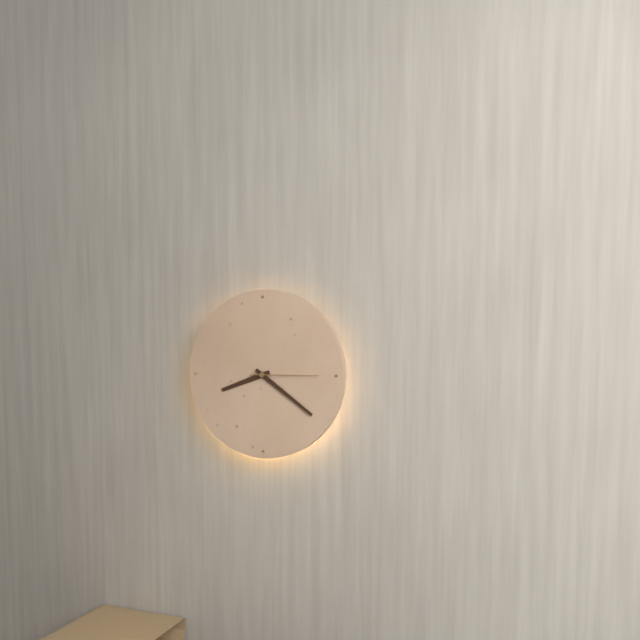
**8:21:15**
